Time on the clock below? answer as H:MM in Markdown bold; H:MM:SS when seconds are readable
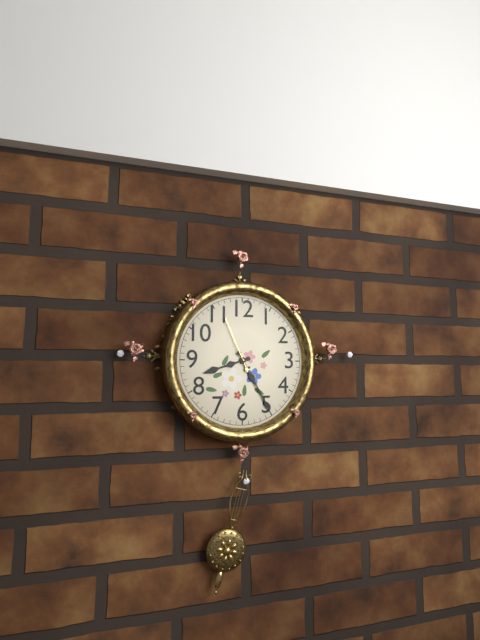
**8:25:56**
